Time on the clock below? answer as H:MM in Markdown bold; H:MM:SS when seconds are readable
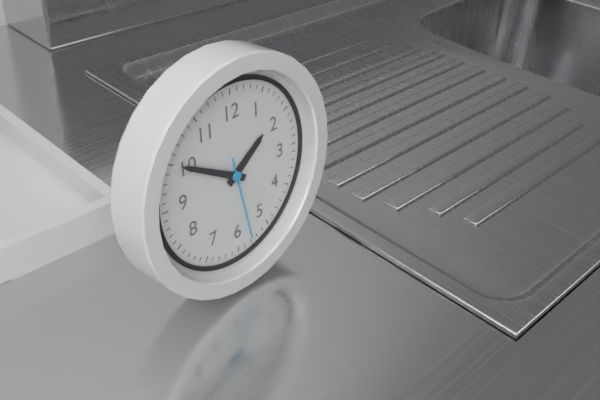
**1:50:28**
